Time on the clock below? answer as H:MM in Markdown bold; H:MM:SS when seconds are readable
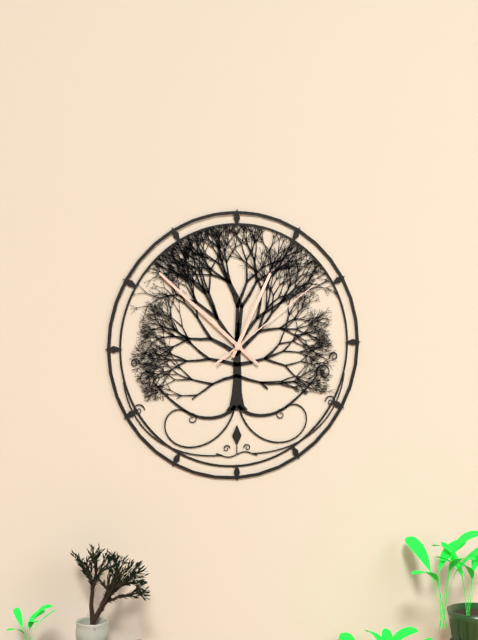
**12:52:09**
